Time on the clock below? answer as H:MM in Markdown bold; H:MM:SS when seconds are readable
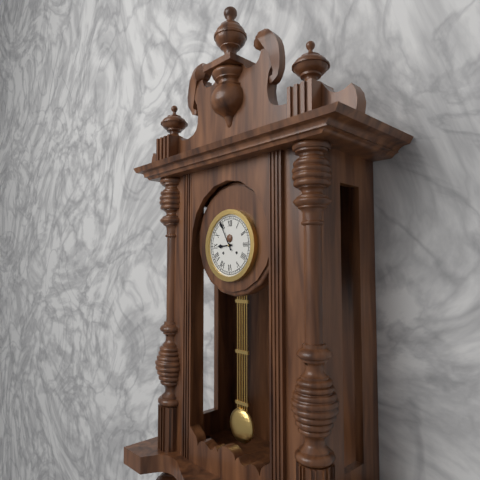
**8:55**
